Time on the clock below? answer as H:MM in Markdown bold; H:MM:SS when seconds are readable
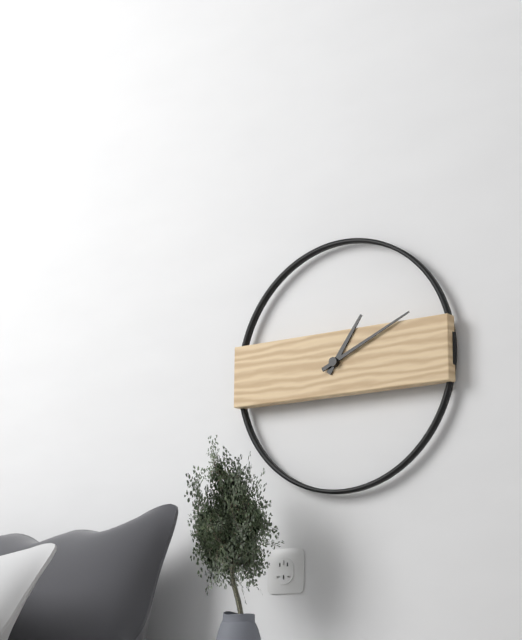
**1:11**
